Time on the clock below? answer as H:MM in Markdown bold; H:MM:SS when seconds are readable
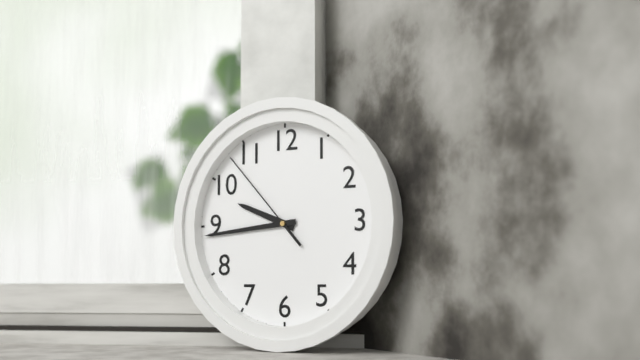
**9:44:53**
